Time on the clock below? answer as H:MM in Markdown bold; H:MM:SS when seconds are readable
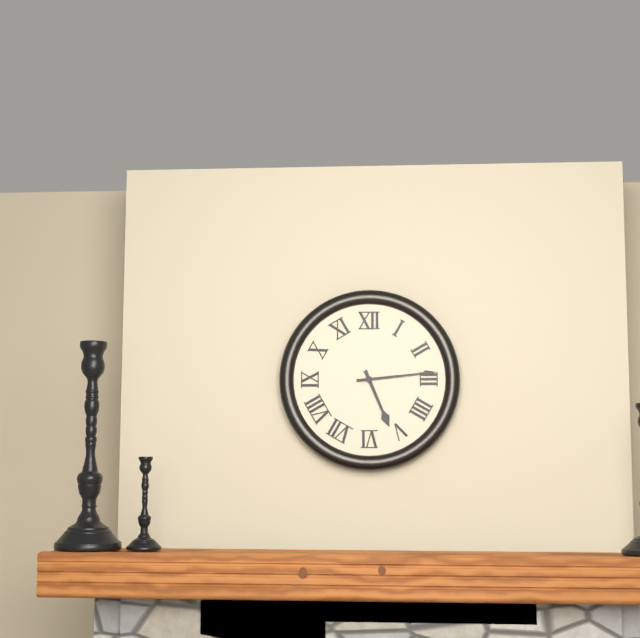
**5:14**
